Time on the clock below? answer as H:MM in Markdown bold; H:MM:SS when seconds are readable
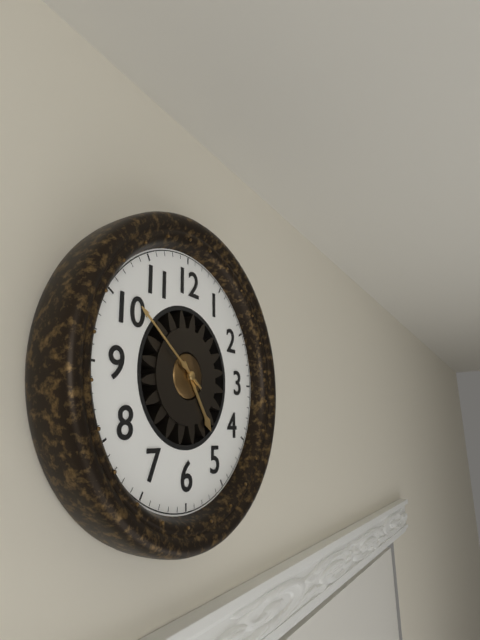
**4:51**
